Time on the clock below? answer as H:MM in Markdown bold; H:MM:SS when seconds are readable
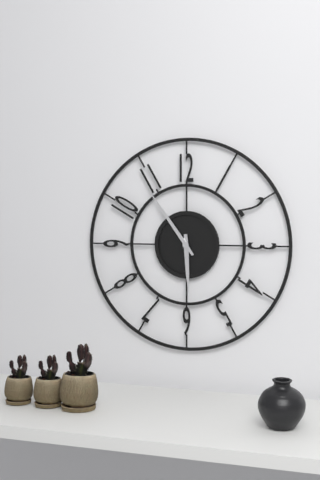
**5:54**
